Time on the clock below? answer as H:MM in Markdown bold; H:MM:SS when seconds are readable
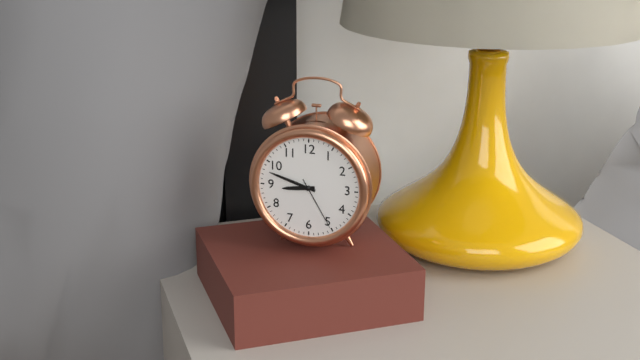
**8:48:25**
